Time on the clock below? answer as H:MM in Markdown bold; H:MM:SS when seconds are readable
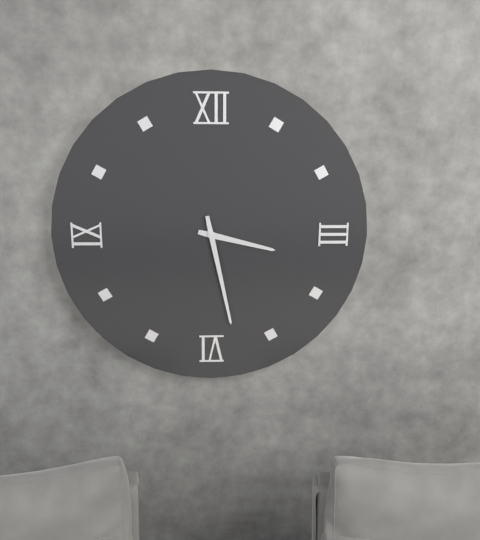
**3:28**
